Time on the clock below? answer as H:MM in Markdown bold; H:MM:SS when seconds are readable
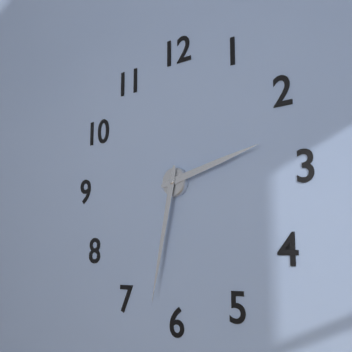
**2:32**
